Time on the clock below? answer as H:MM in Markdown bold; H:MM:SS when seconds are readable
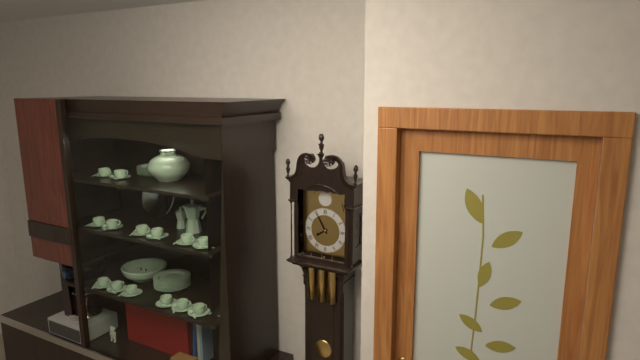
**7:55**
